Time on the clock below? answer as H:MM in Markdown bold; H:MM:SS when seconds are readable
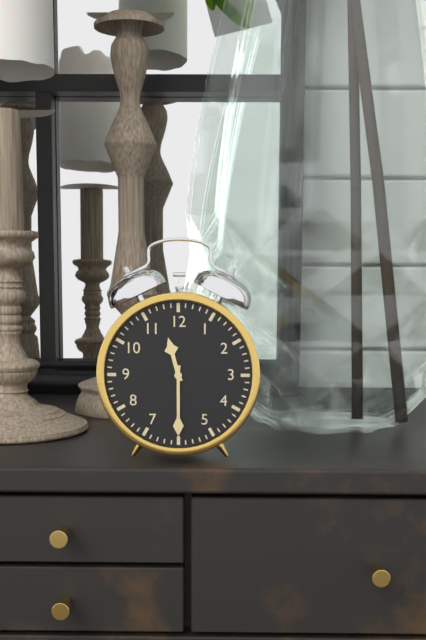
**11:30**
